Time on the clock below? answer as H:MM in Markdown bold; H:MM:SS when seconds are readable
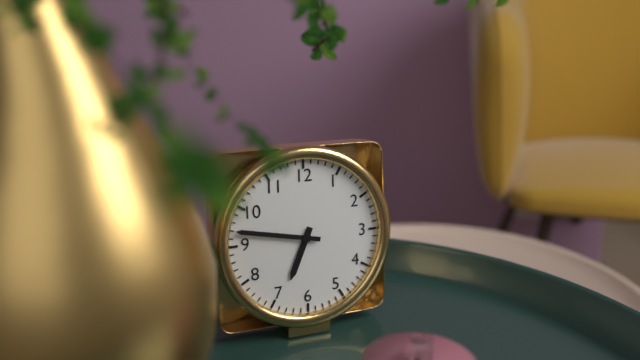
**6:47**
